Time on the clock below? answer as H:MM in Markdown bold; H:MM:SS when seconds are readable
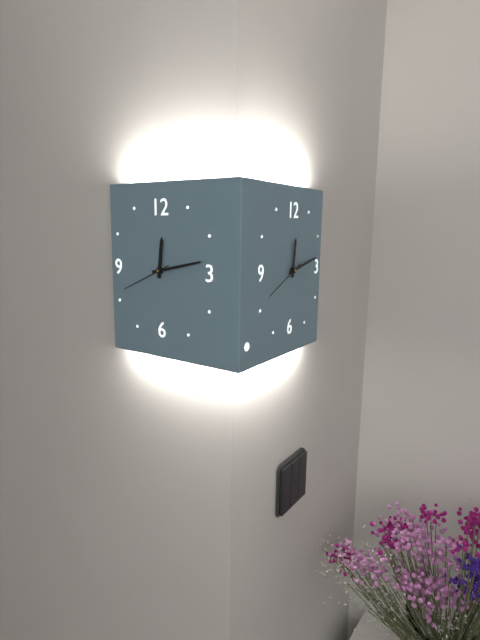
**12:13:41**
